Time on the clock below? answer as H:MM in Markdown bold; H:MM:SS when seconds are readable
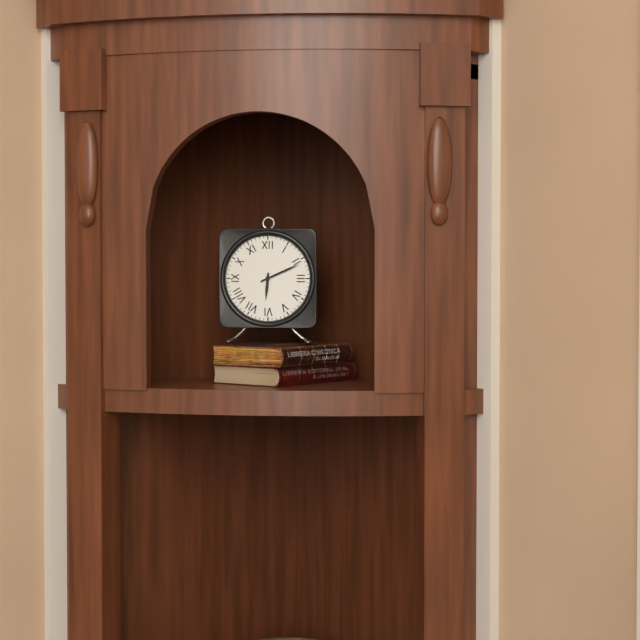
**6:11**
